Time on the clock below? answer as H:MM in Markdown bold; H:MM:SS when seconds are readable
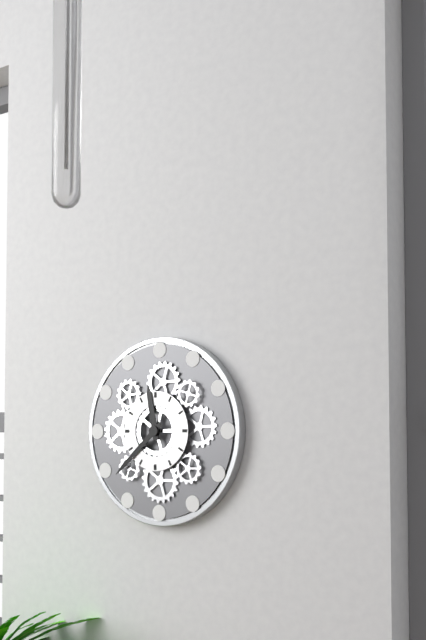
**11:38**
